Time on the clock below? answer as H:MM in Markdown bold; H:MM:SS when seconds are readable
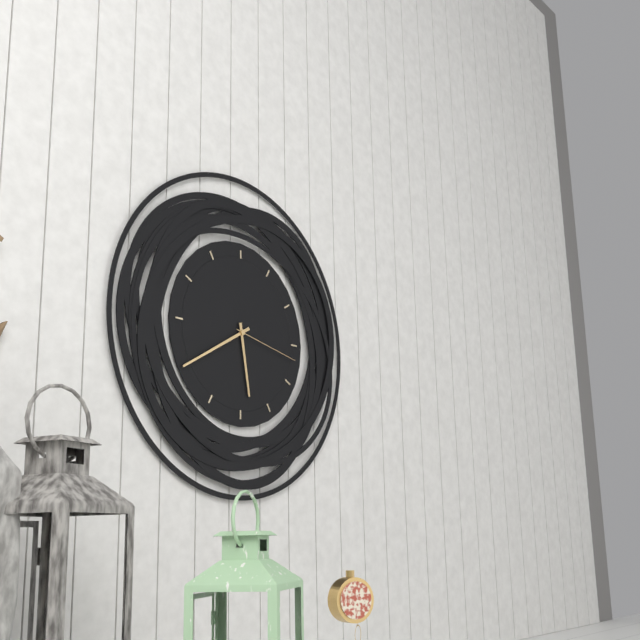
**5:40:17**
